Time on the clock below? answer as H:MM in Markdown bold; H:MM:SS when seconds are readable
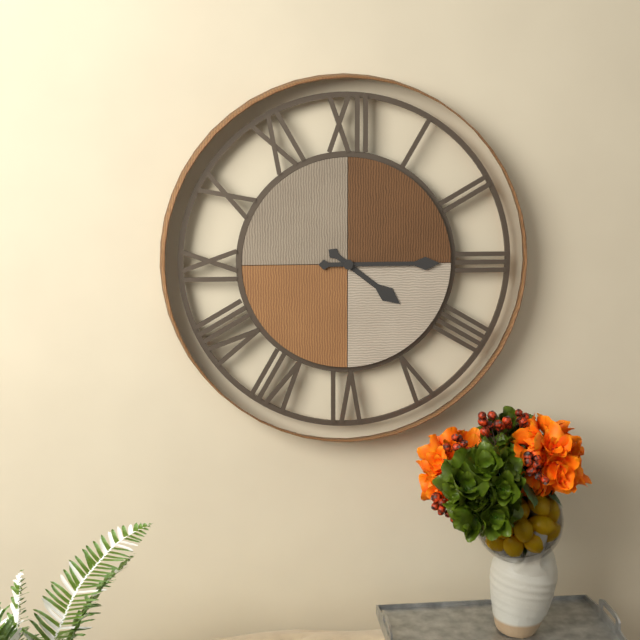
**4:15**
